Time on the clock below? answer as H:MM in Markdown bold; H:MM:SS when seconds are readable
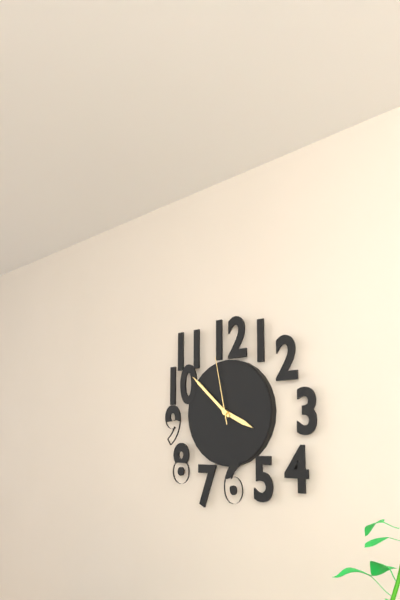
**3:52:58**
